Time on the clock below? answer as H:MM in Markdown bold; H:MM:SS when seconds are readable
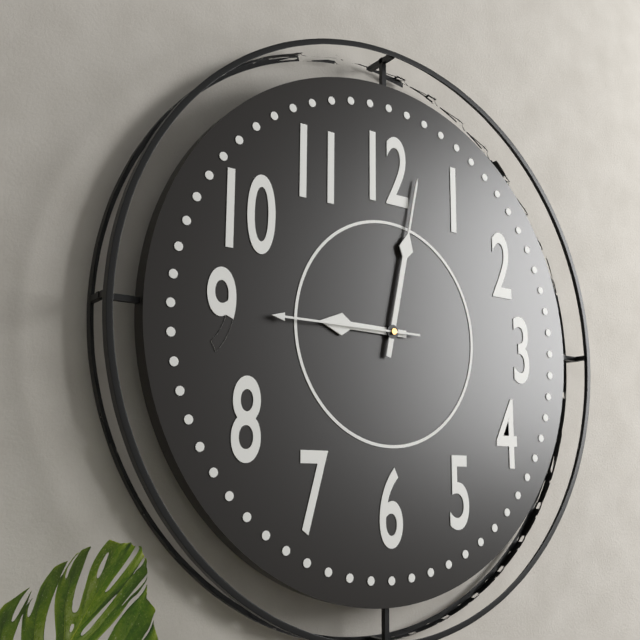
**9:02:45**
